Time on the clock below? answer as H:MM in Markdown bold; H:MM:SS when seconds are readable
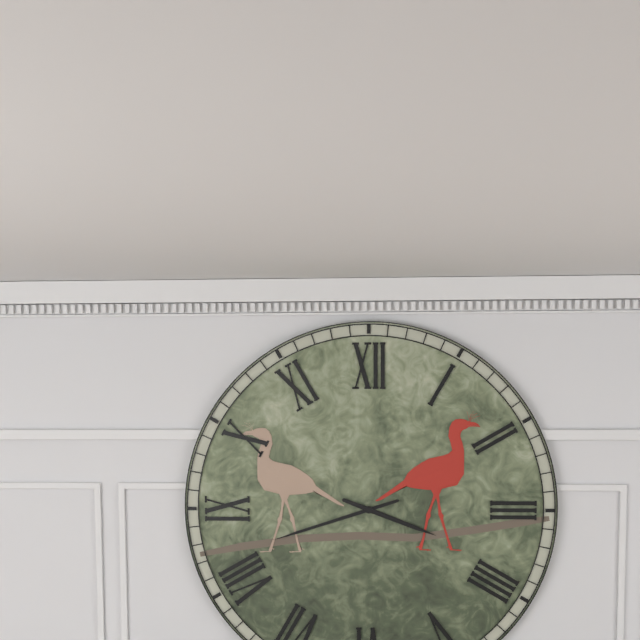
**3:42**
